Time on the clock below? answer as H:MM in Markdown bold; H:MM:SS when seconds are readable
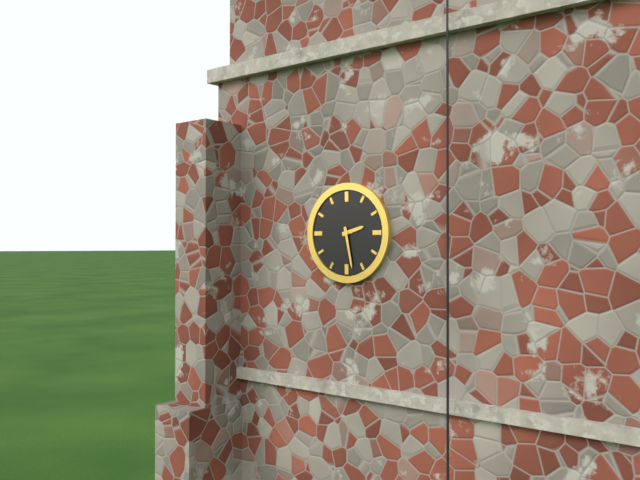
**2:28**
